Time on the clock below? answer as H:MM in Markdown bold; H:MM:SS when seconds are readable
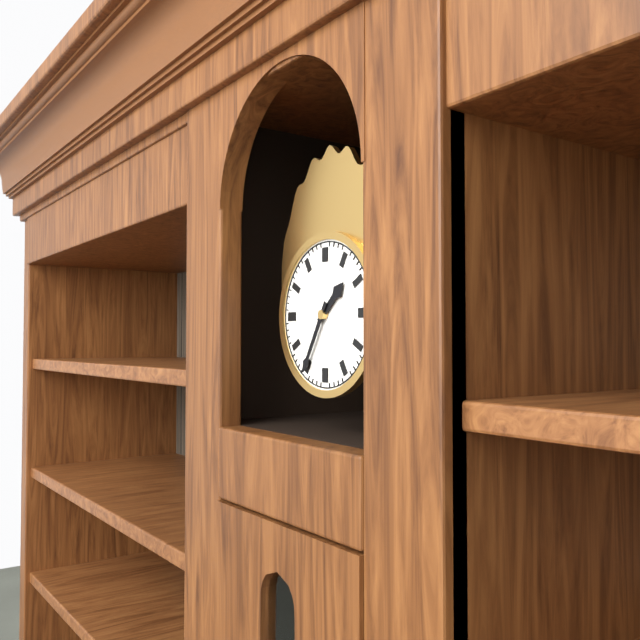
**1:35**
